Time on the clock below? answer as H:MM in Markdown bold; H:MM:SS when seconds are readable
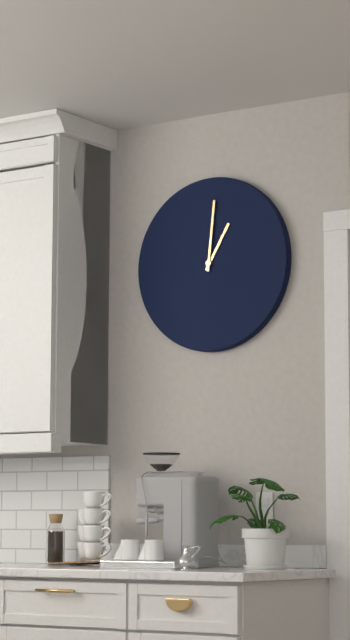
**1:01**
